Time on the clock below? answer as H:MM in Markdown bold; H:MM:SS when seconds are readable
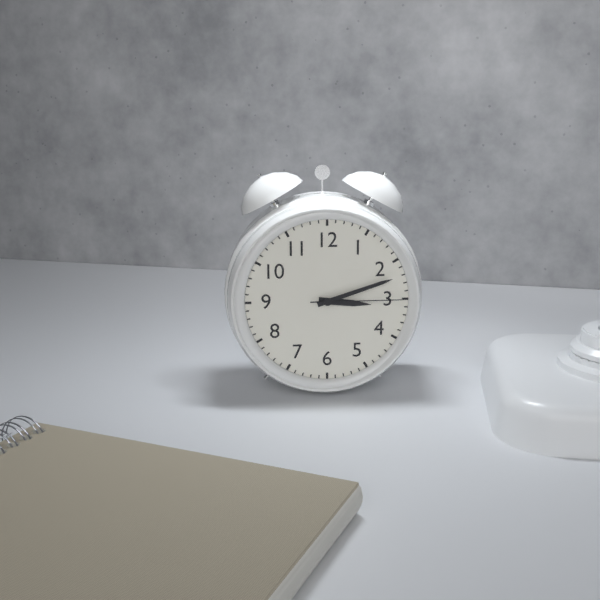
**3:12:15**
